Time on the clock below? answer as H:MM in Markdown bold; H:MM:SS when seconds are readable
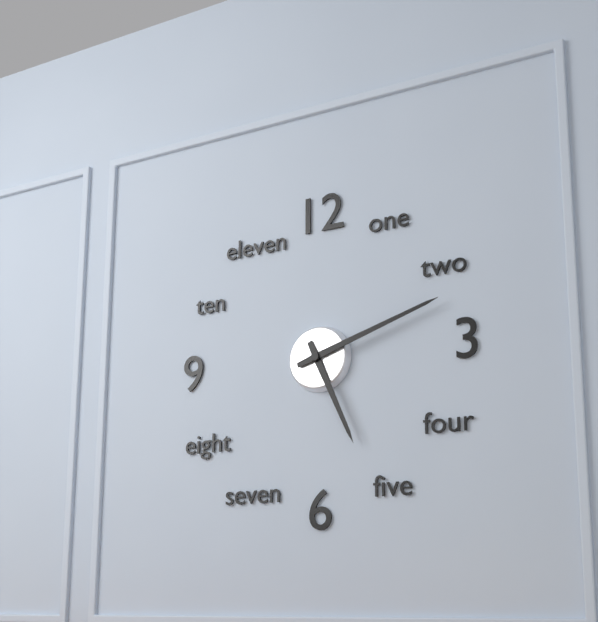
**5:12**
